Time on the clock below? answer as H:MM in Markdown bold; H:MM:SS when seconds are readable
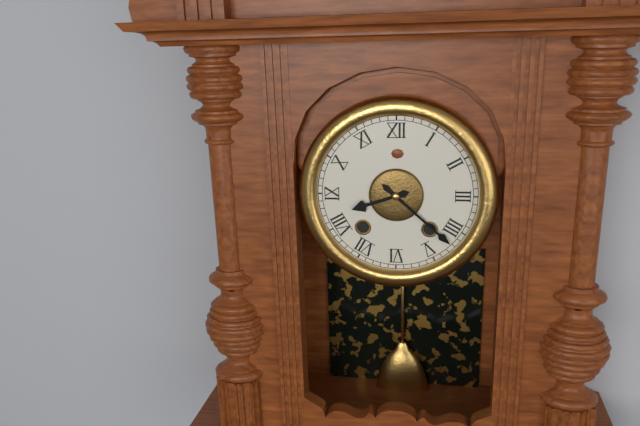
**8:22**
